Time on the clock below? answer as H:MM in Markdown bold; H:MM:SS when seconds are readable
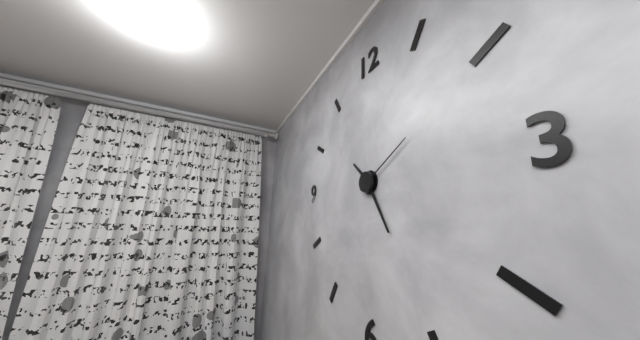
**10:25:10**
